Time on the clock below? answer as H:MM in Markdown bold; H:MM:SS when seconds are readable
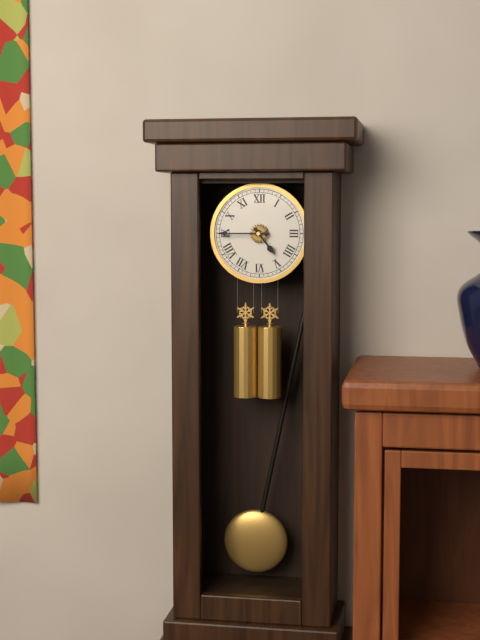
**4:45**
